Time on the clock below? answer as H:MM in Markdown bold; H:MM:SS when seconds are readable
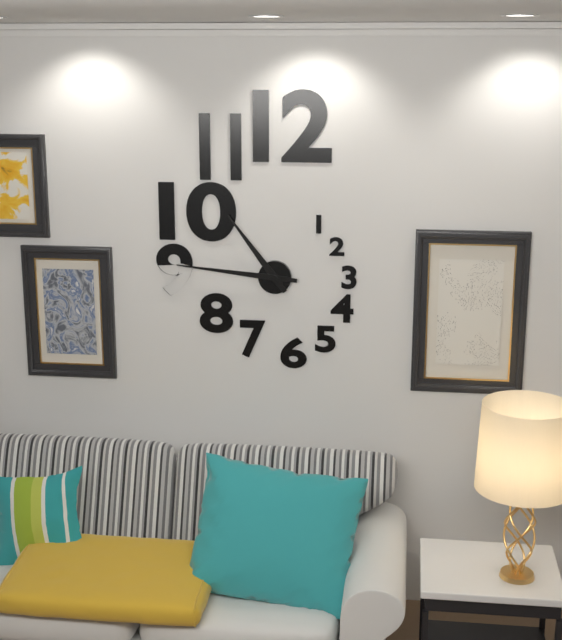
**10:46**
